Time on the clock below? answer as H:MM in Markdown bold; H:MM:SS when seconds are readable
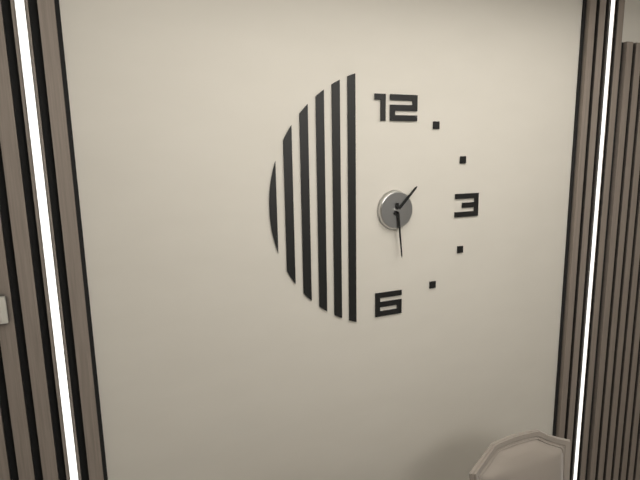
**1:29**
